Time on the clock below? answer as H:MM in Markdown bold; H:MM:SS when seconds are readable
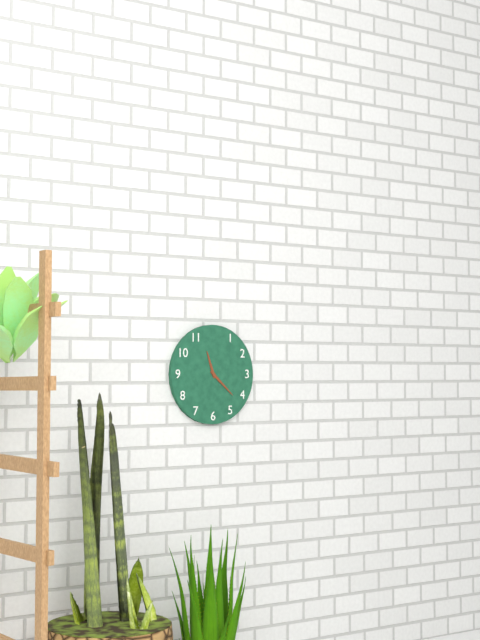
**11:22**
